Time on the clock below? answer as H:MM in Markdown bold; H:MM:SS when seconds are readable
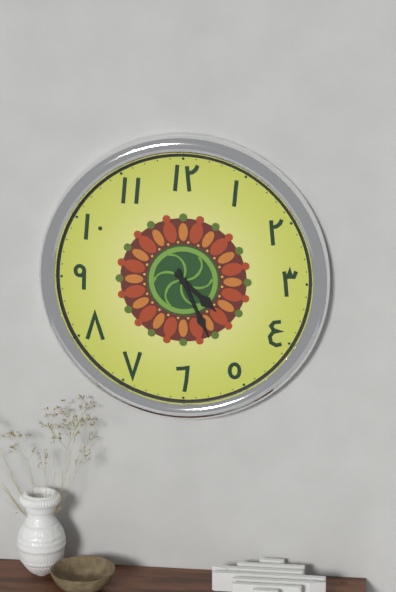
**4:26**
